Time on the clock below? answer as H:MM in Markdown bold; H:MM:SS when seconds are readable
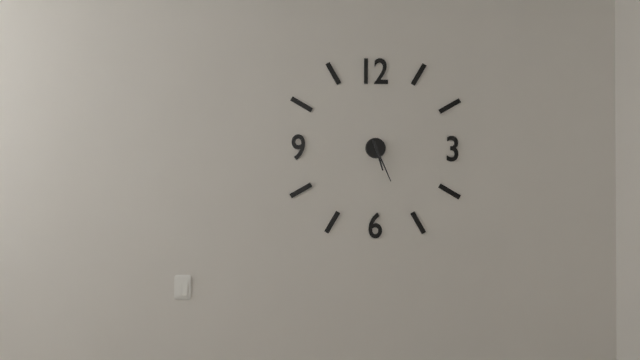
**5:26**
